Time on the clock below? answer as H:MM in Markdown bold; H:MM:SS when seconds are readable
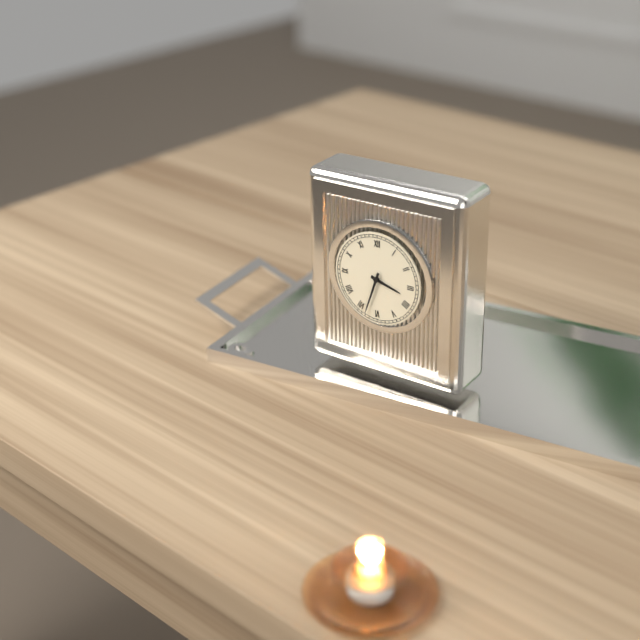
**3:33**
